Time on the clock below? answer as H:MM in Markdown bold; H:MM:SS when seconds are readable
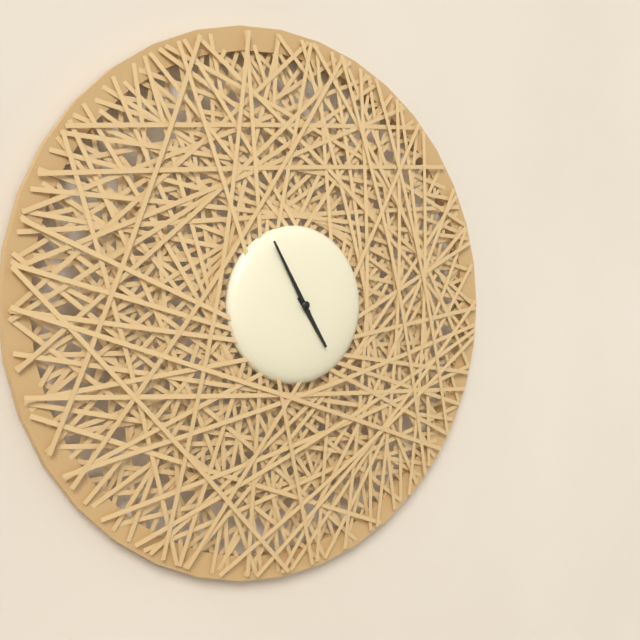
**4:55**
